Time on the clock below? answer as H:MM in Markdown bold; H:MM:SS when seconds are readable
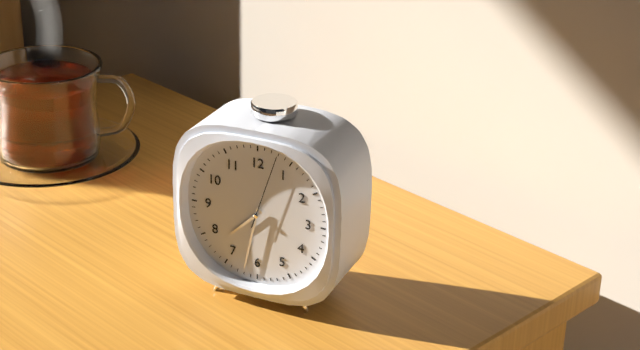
**7:32:03**
